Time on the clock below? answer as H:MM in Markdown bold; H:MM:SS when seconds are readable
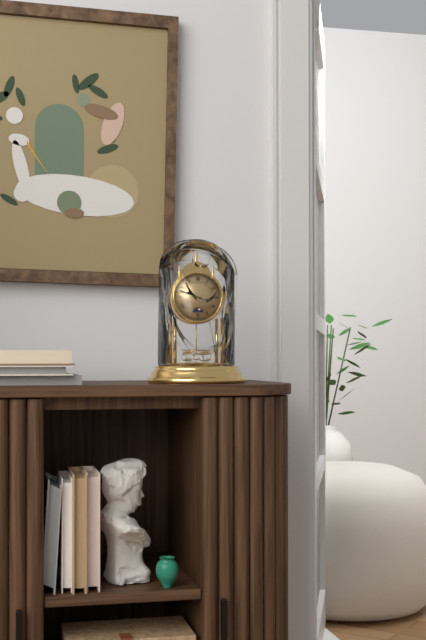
**9:48**
